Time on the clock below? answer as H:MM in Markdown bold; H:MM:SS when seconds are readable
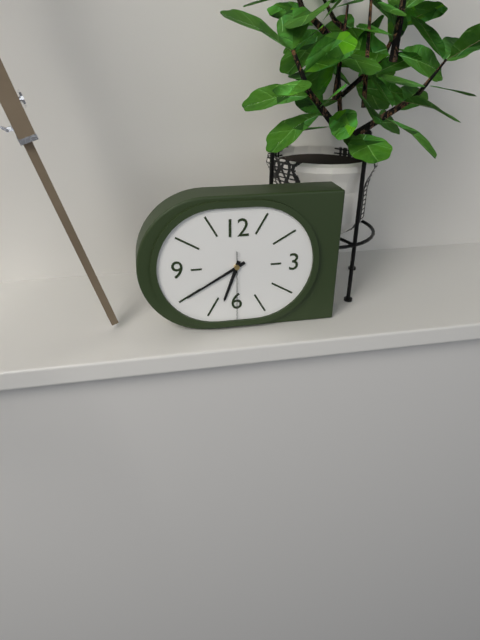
**6:40:30**
